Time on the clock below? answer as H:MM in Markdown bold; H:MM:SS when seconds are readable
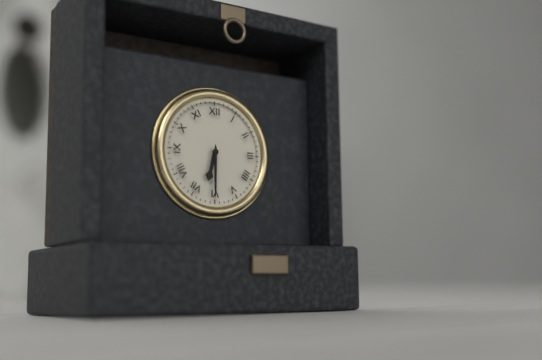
**6:30**
